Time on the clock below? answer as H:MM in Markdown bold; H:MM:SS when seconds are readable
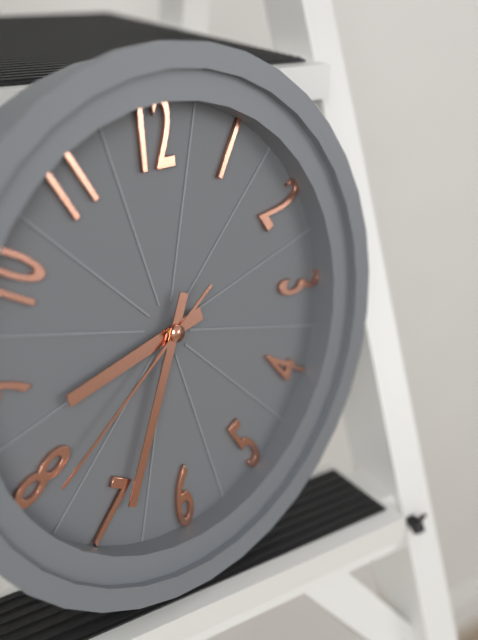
**8:34:39**
